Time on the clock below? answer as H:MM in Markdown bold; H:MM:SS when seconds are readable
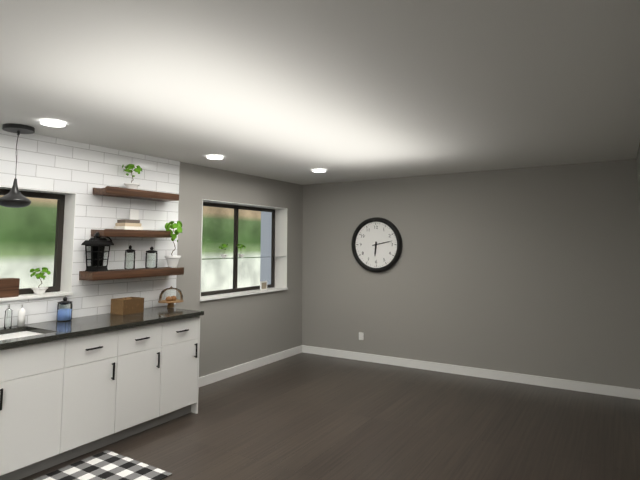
**6:13**
